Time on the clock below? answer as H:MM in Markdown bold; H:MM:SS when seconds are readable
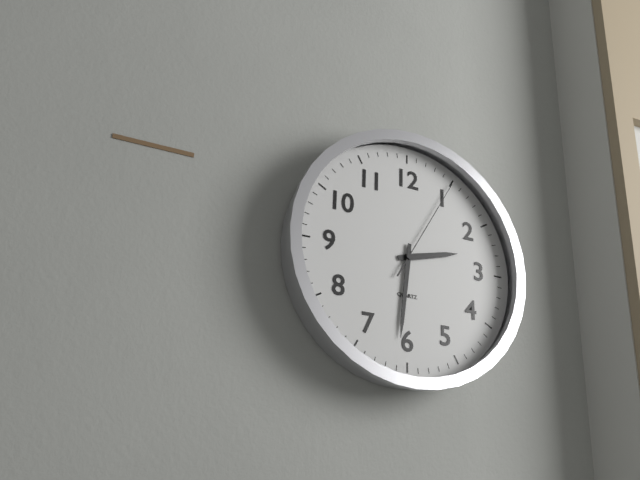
**2:31:05**
